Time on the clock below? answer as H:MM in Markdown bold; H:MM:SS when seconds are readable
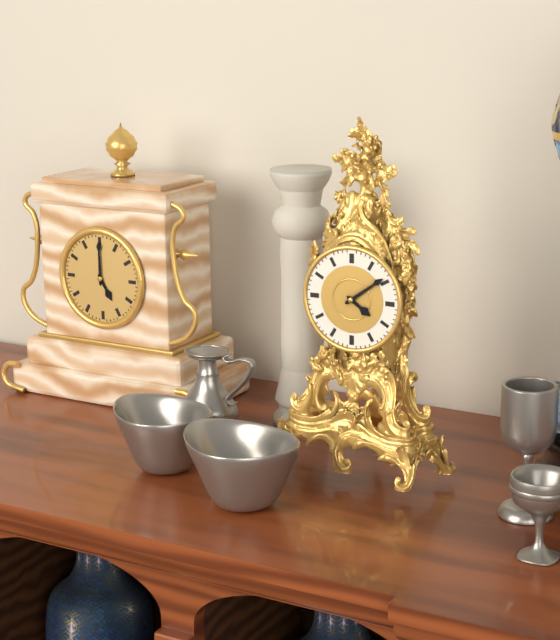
**4:09**
